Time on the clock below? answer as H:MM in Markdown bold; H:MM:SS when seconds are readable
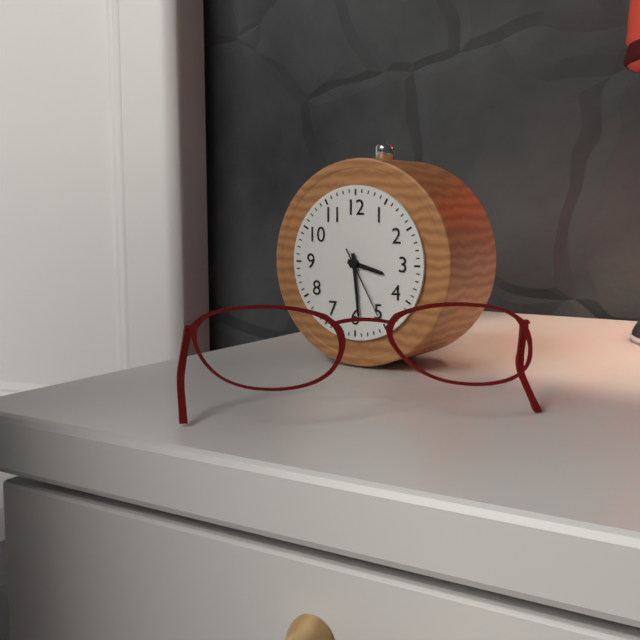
**3:29:25**
